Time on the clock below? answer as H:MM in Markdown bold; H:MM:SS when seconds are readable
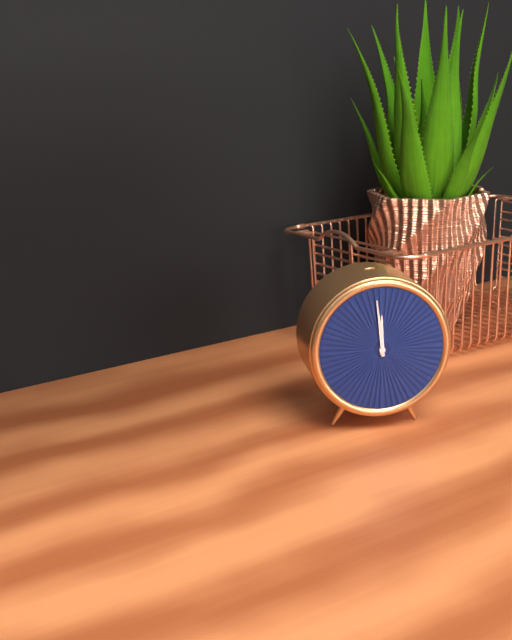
**11:59**
